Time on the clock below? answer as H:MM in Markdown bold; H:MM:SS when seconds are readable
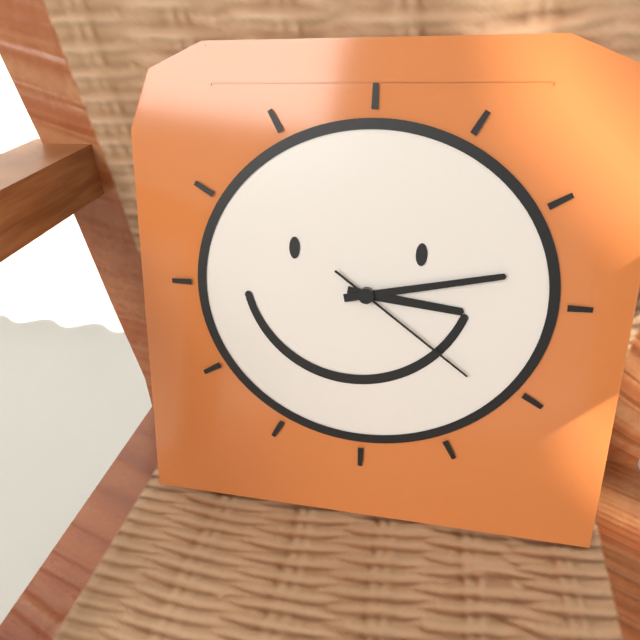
**3:13:21**
